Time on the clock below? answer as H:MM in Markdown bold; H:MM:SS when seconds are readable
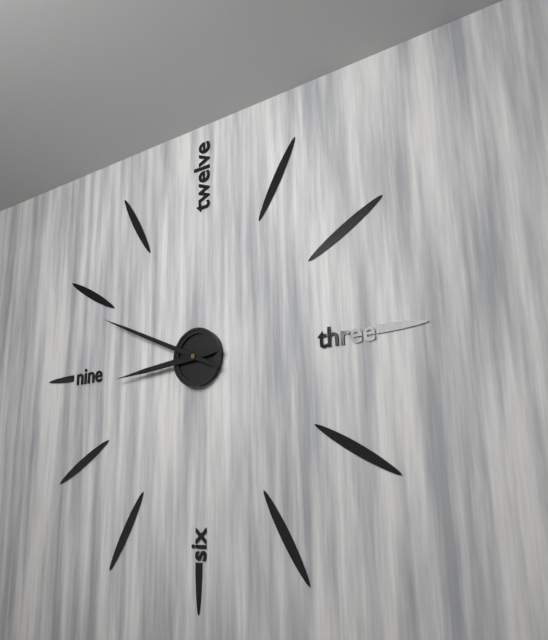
**8:49**
